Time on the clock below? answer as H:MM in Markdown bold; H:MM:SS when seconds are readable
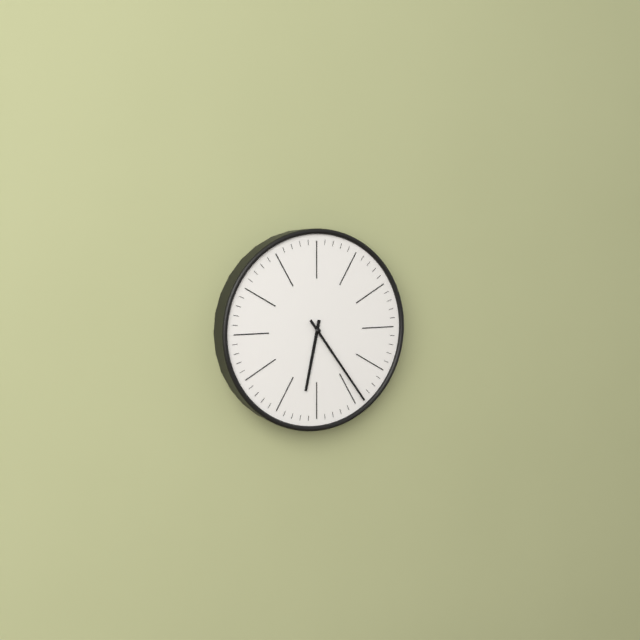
**6:24**
